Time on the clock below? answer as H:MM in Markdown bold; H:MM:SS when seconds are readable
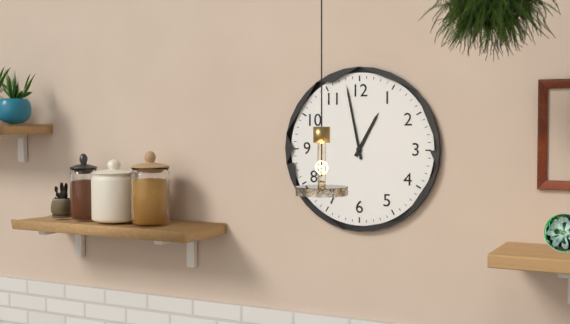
**12:58**
